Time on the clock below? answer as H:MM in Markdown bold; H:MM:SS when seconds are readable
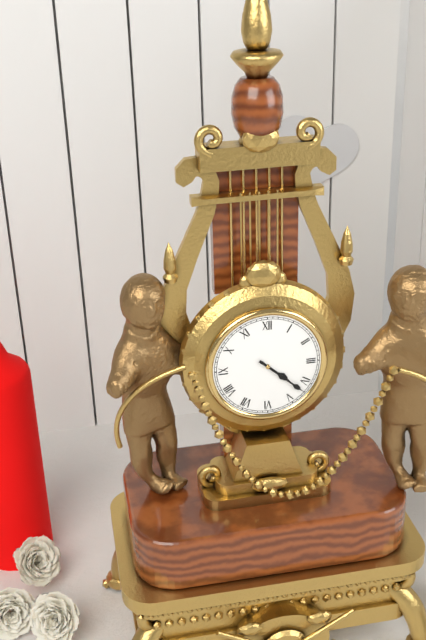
**4:22**
